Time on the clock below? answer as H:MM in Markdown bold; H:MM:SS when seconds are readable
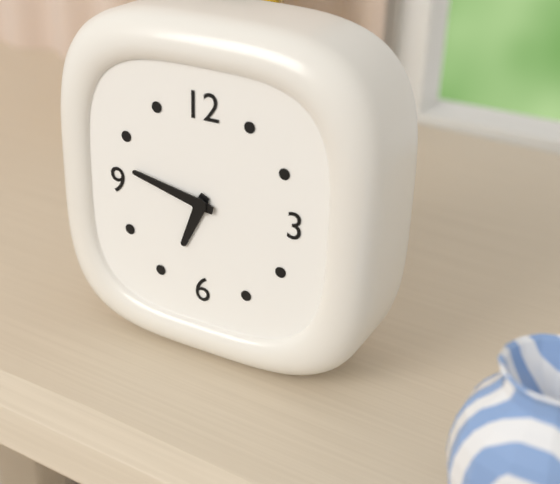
**6:47**
